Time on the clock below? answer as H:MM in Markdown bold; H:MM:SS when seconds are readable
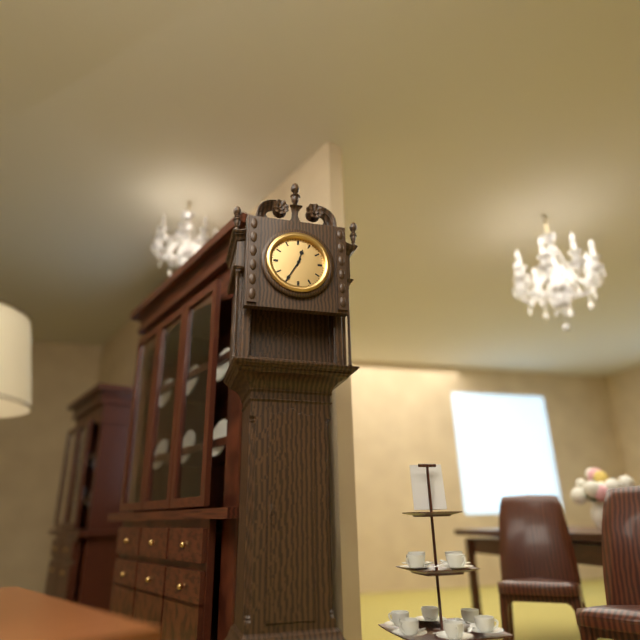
**12:35**
